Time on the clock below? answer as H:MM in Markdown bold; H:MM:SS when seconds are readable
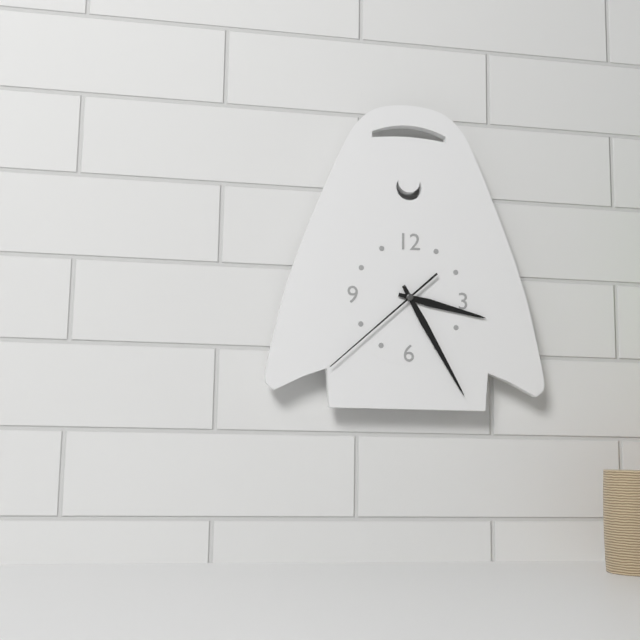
**3:25:38**
